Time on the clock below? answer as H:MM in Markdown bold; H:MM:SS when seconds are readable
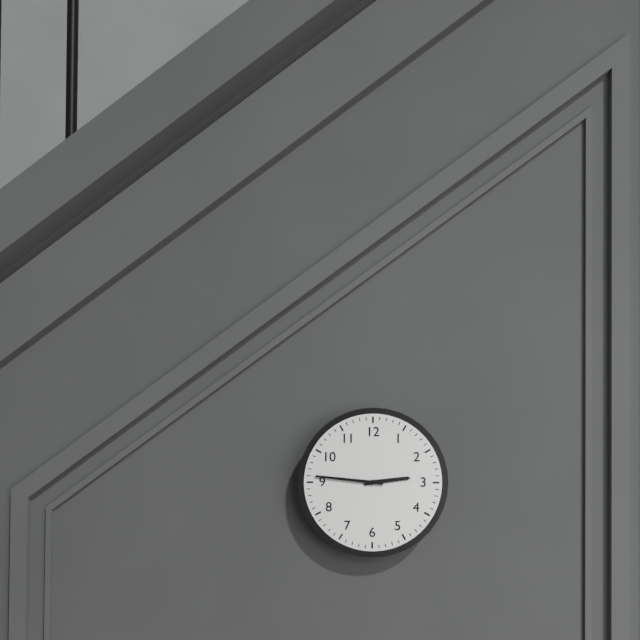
**2:46**
